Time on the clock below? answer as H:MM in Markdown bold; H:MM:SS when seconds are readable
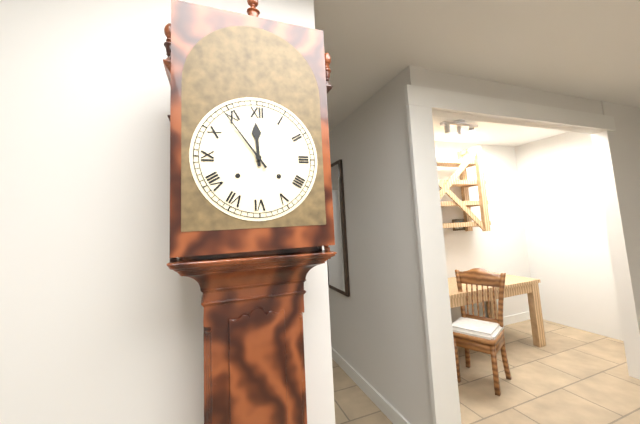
**11:54**
